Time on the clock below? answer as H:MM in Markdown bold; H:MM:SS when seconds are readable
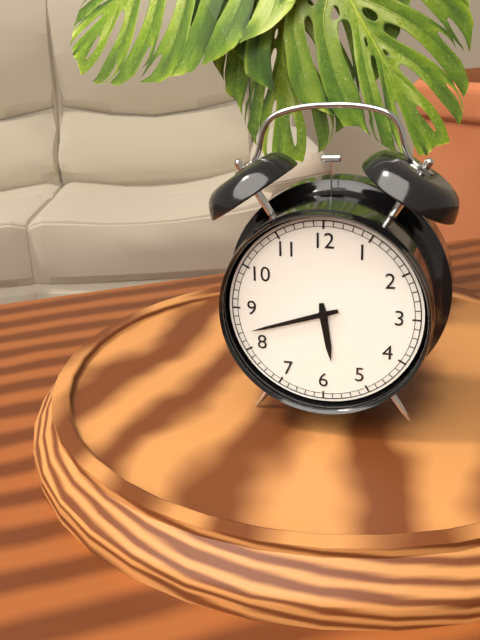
**5:42**
